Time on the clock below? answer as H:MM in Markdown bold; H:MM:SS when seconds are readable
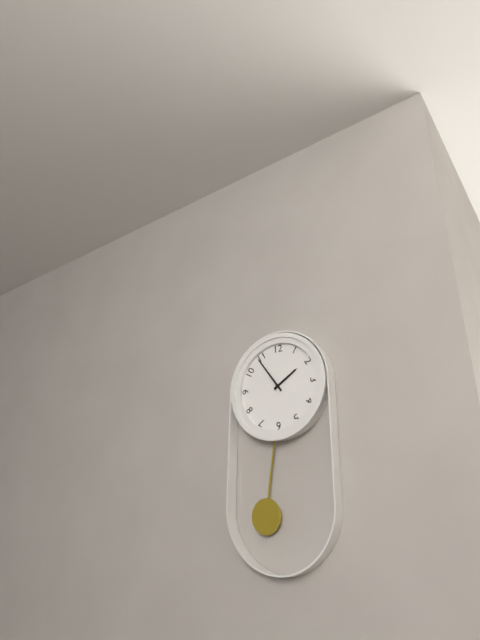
**1:54**
